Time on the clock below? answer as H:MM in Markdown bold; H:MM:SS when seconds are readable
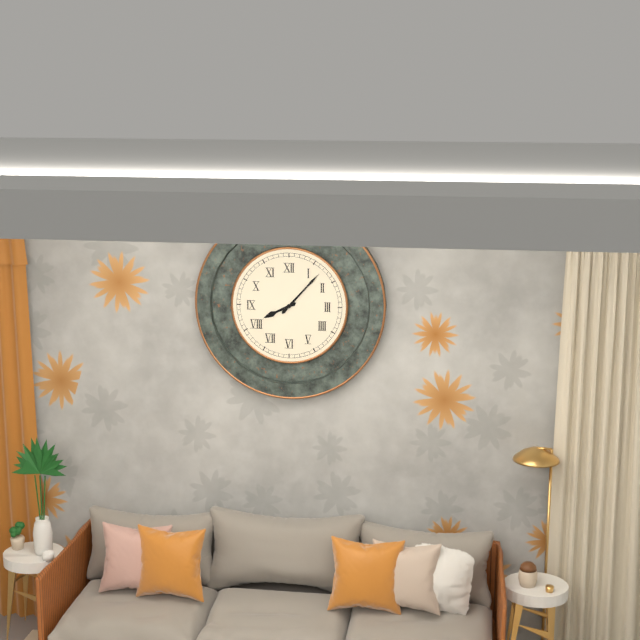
**8:07**
